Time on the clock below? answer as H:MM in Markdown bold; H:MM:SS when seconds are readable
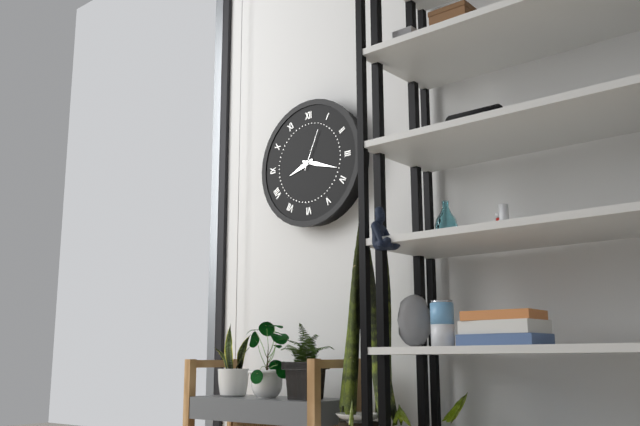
**8:18**
